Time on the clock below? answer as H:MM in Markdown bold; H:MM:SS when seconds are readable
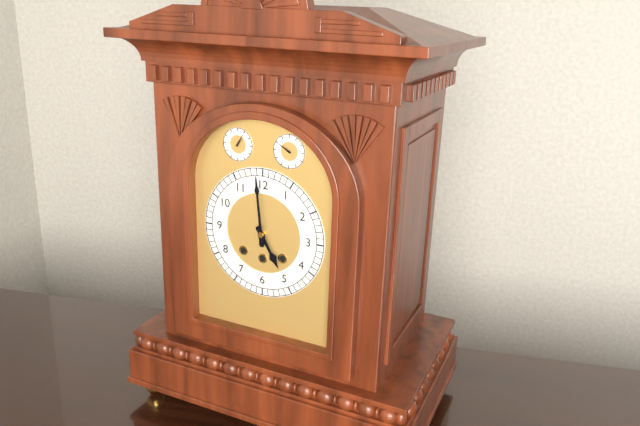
**4:59**
